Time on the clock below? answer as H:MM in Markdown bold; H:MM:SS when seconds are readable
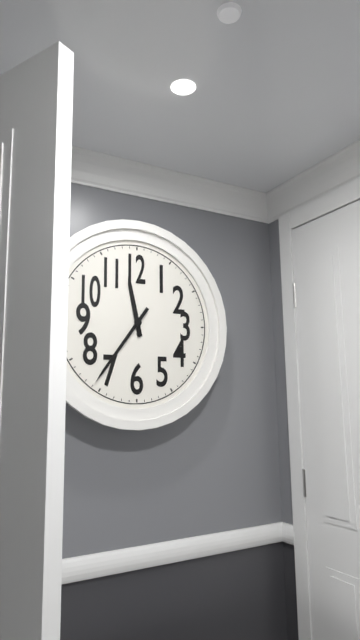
**11:36**
